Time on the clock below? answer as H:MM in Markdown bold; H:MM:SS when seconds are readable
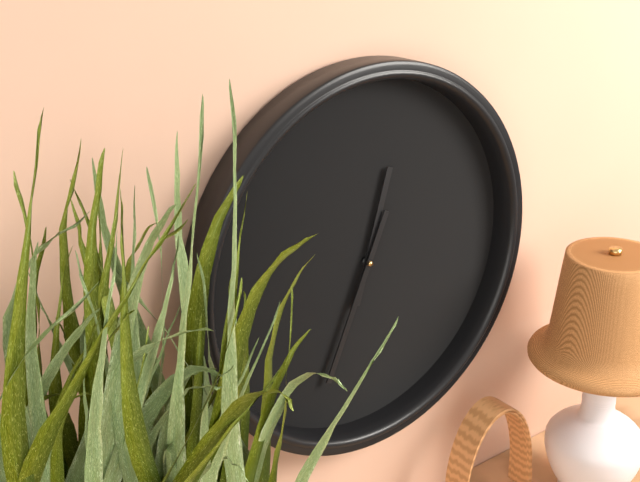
**12:34**
